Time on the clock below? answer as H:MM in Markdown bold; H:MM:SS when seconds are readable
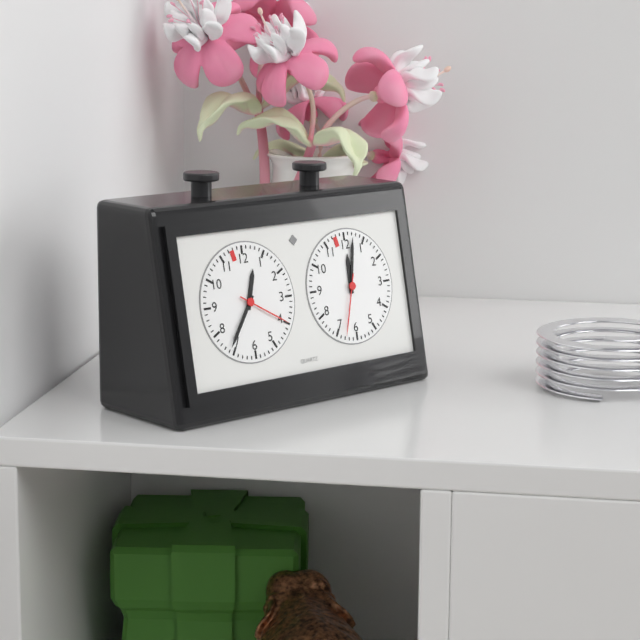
**12:36:20**
